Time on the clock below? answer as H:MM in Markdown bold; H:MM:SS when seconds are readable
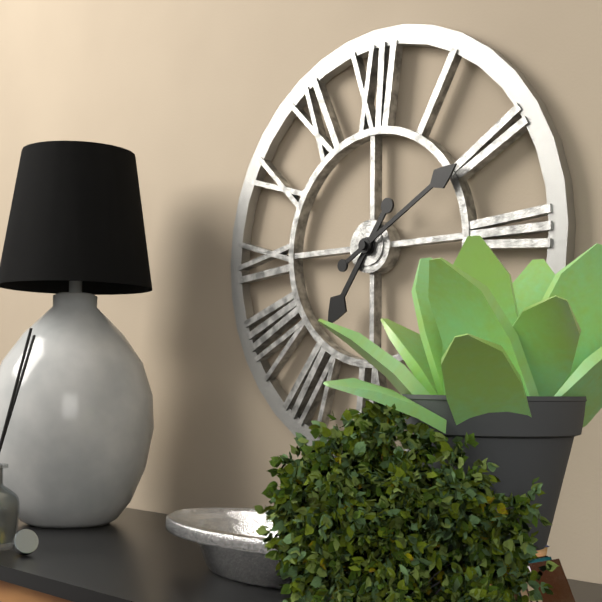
**7:10**
